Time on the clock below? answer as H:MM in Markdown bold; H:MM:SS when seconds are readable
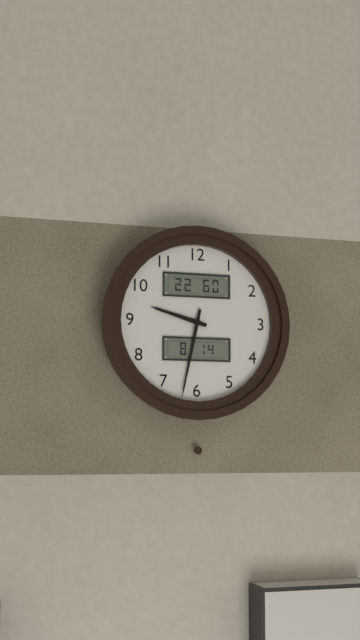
**9:32**
